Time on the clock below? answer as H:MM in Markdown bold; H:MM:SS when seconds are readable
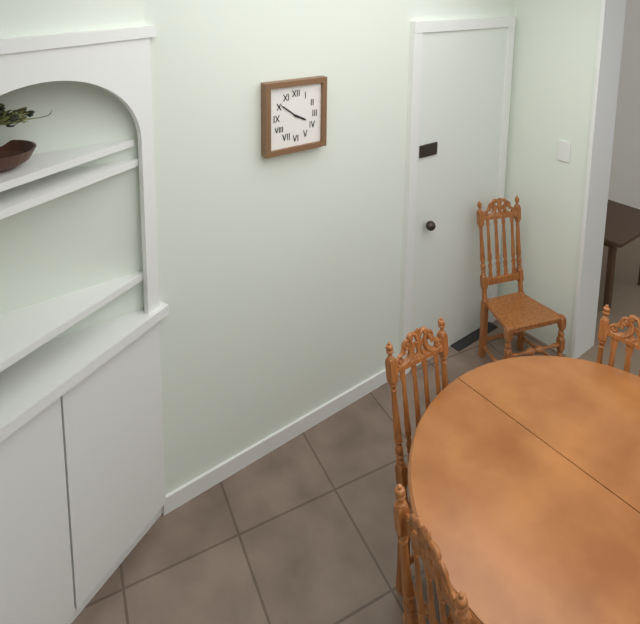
**3:51**
